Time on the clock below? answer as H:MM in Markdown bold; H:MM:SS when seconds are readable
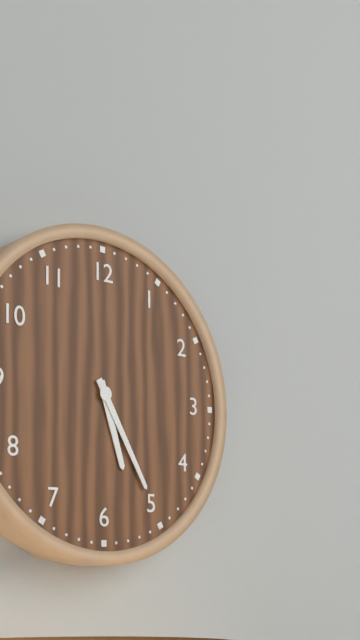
**5:25**
